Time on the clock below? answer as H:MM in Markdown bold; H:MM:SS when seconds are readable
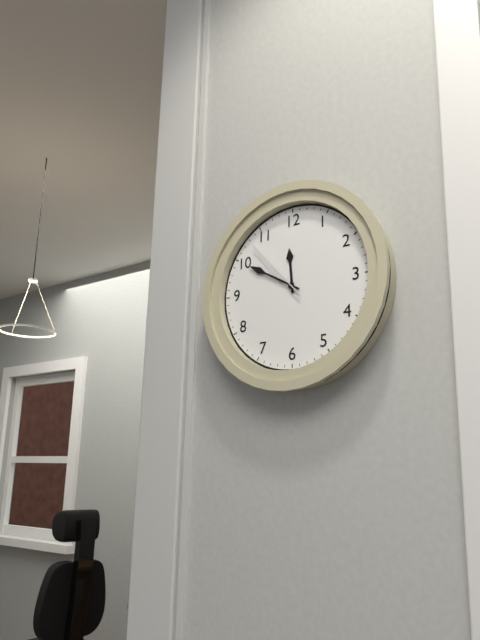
**11:50:53**
